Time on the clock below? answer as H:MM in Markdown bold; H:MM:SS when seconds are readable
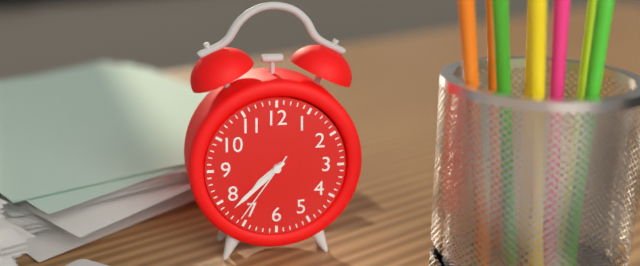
**7:38:36**
